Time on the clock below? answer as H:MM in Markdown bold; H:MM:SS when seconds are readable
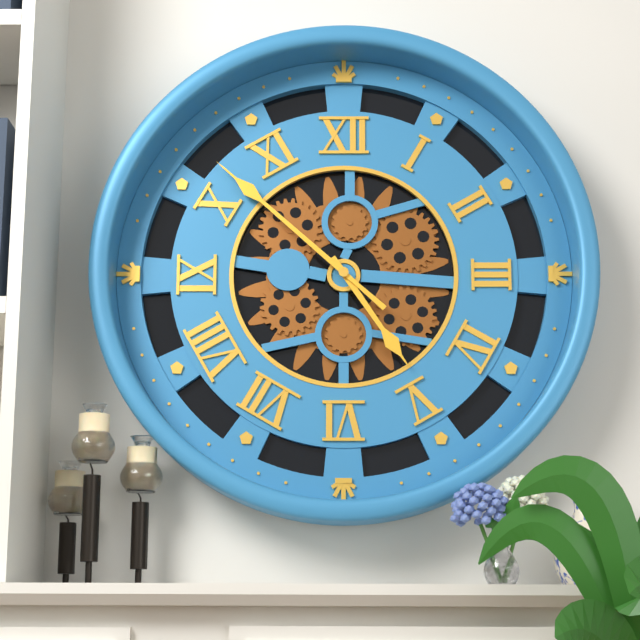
**4:52**
